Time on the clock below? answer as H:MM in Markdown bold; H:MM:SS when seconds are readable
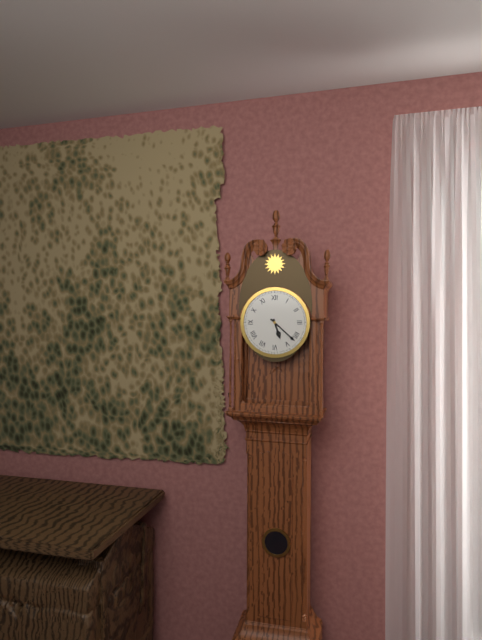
**5:22**
